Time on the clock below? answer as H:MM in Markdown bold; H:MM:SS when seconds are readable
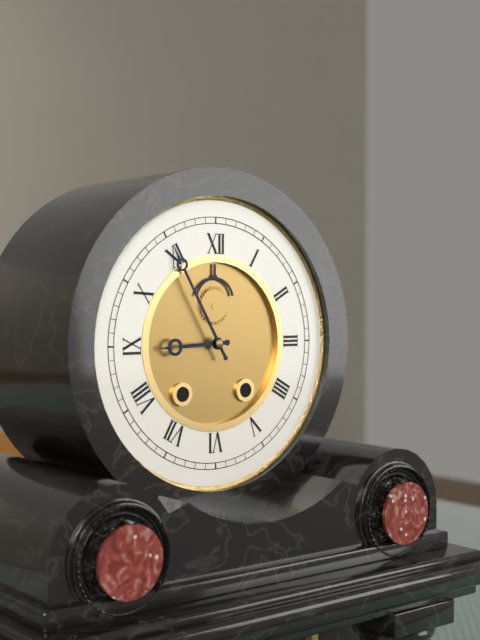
**8:55**
